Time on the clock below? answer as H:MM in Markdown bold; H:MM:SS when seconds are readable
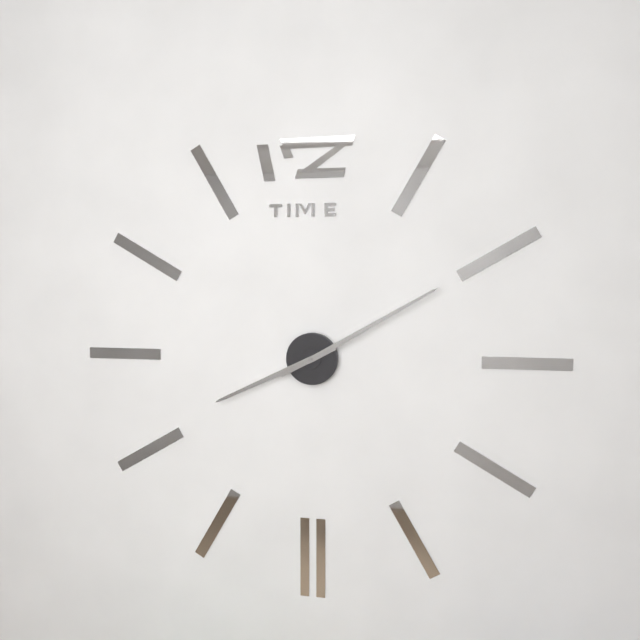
**8:10**
